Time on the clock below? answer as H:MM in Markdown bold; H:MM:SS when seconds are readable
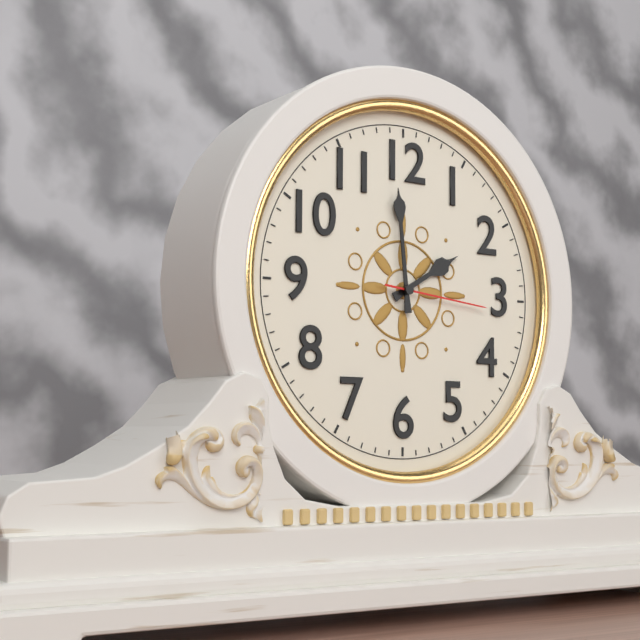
**1:59:16**
